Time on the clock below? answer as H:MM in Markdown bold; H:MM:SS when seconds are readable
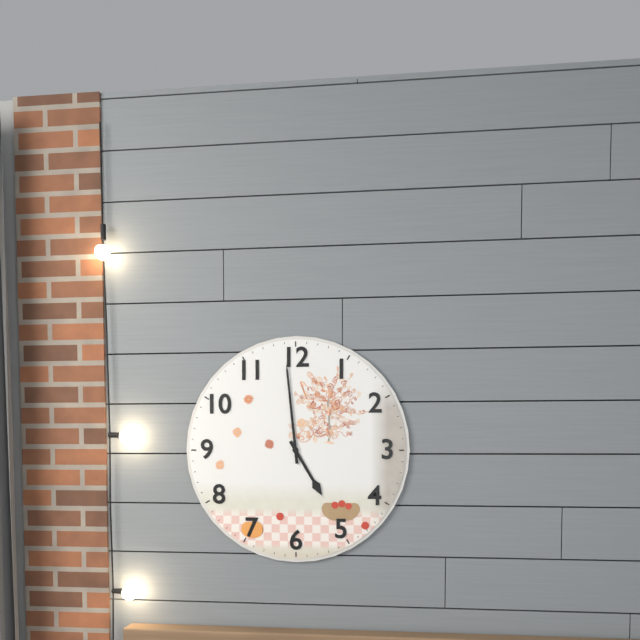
**4:59**
